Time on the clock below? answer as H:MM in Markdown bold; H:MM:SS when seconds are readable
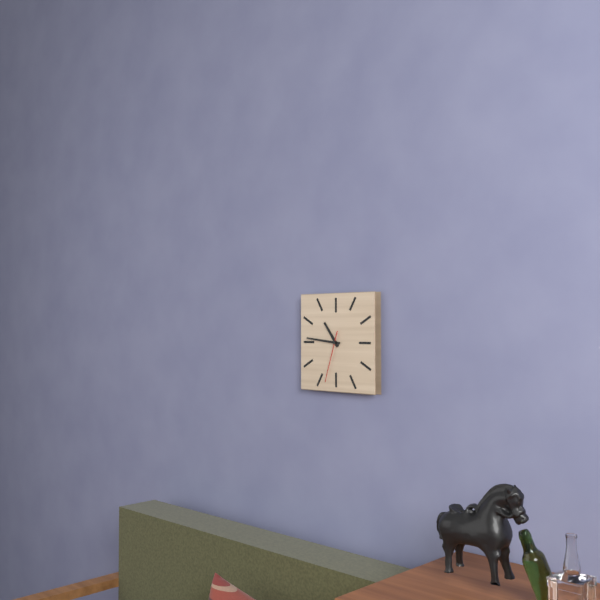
**10:46:33**
